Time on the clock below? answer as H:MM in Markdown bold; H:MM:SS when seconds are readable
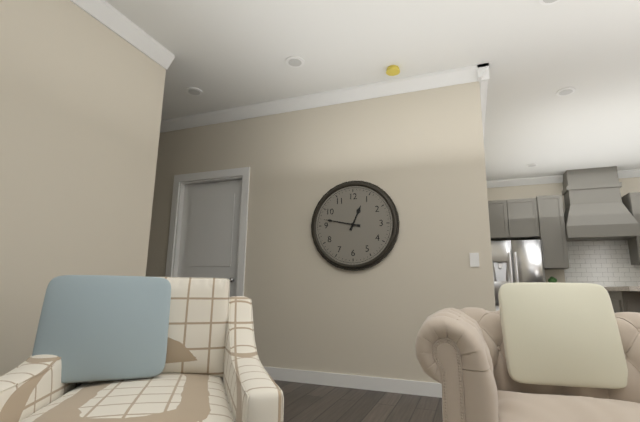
**12:47**
